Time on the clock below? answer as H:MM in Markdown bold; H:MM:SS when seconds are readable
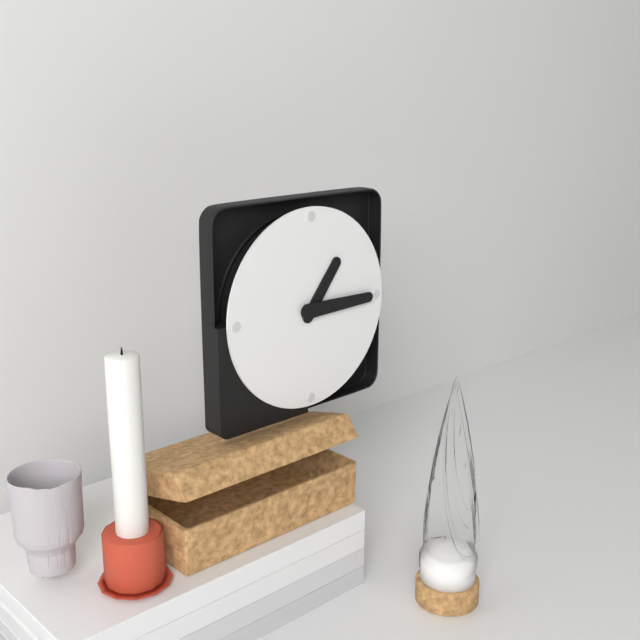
**1:15**
